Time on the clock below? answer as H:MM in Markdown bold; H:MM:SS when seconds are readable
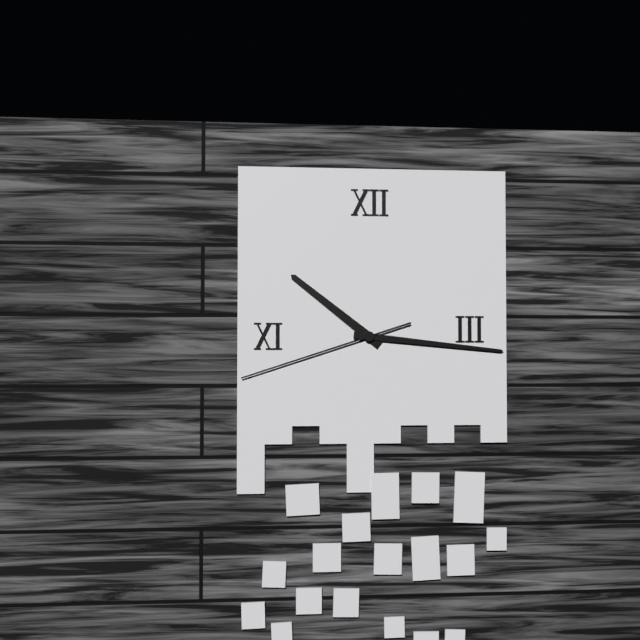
**10:16:42**
